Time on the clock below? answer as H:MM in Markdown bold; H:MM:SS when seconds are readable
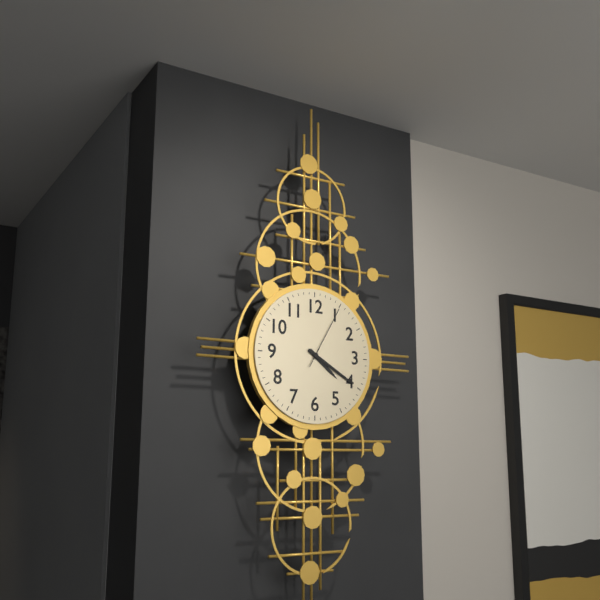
**4:20:05**
